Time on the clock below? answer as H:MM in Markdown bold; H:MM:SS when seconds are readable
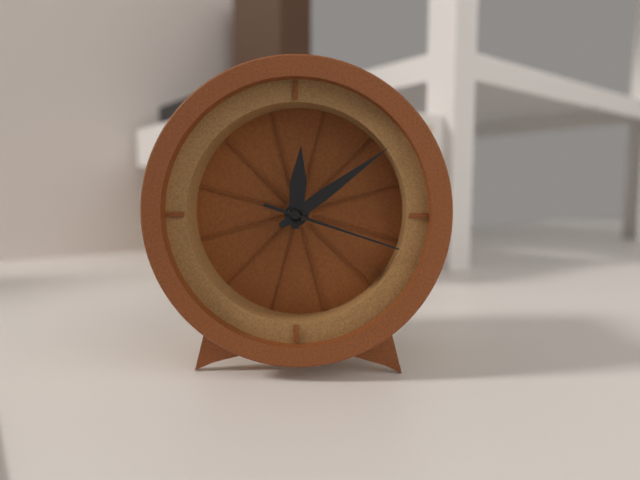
**12:09:18**
